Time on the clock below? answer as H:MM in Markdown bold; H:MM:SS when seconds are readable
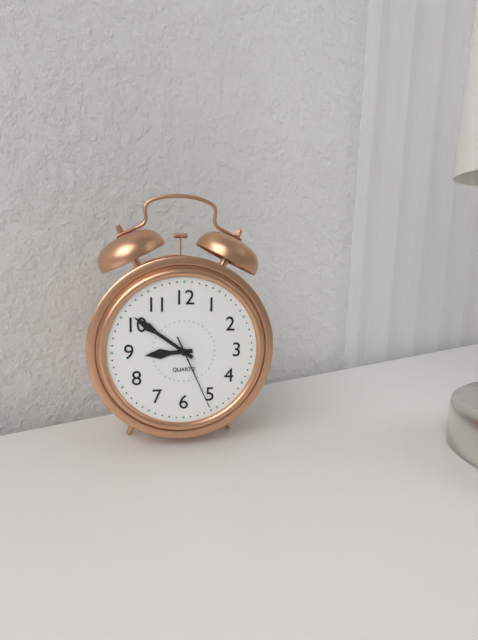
**8:51:26**
